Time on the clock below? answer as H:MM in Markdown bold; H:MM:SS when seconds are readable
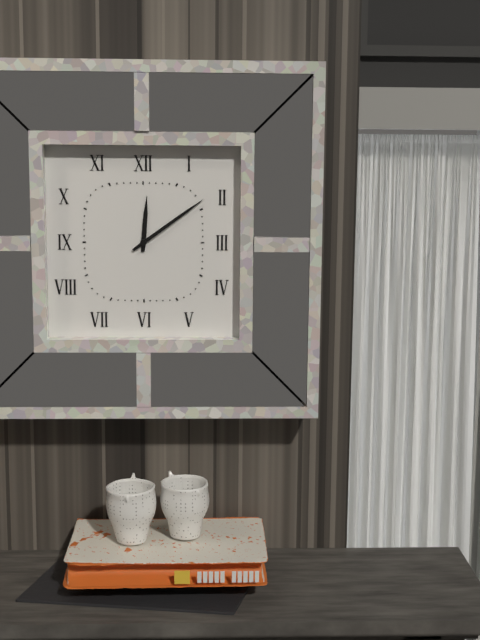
**12:09**
